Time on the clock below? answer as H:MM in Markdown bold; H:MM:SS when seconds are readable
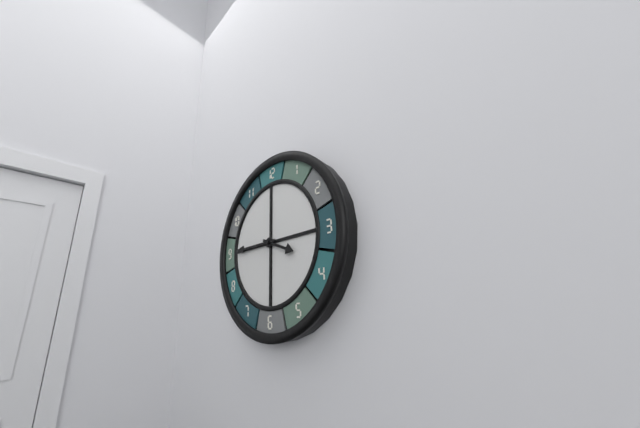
**3:45**
